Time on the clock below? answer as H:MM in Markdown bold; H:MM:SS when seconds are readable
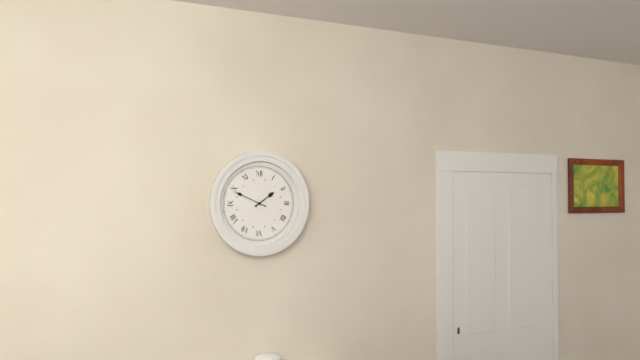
**1:49**
